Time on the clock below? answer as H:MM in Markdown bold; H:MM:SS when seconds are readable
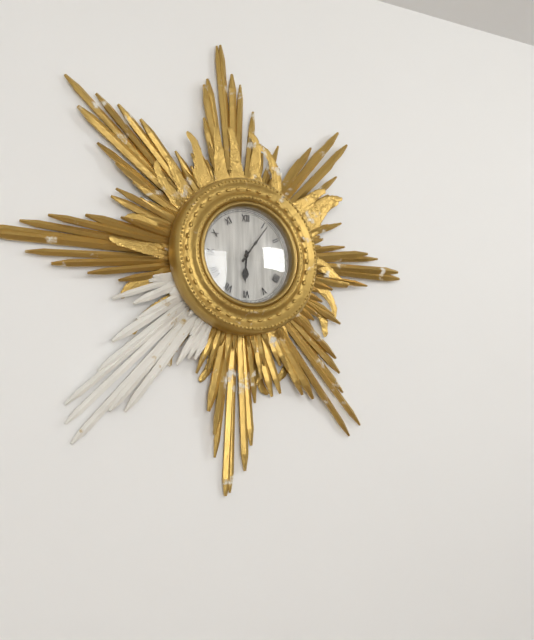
**6:06**
